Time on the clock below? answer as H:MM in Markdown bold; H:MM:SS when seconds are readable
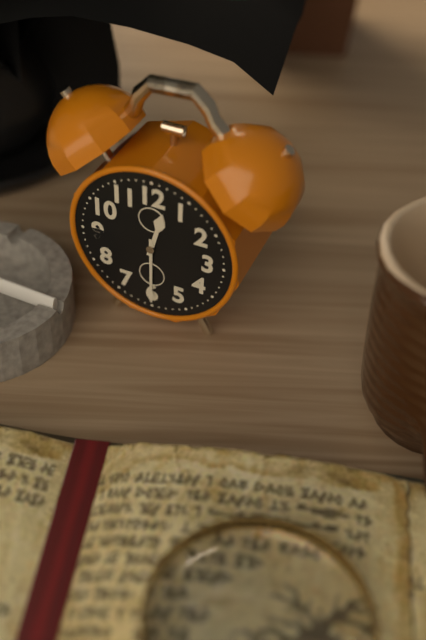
**12:30**
